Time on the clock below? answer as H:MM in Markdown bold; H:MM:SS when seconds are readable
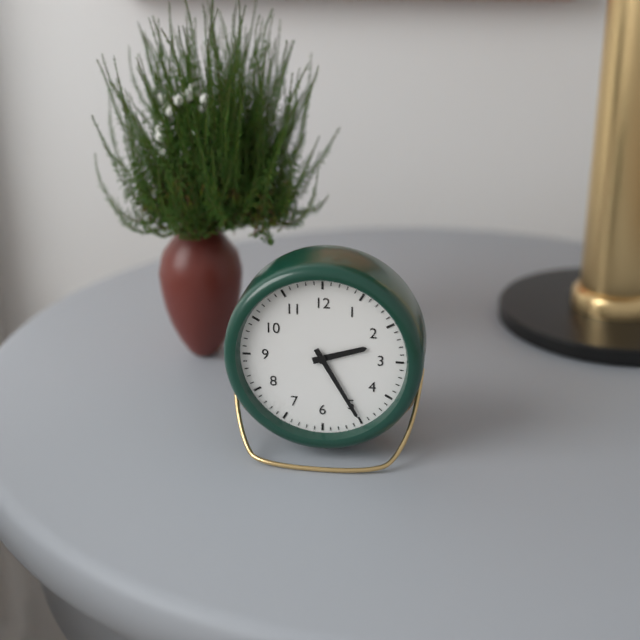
**2:25**
